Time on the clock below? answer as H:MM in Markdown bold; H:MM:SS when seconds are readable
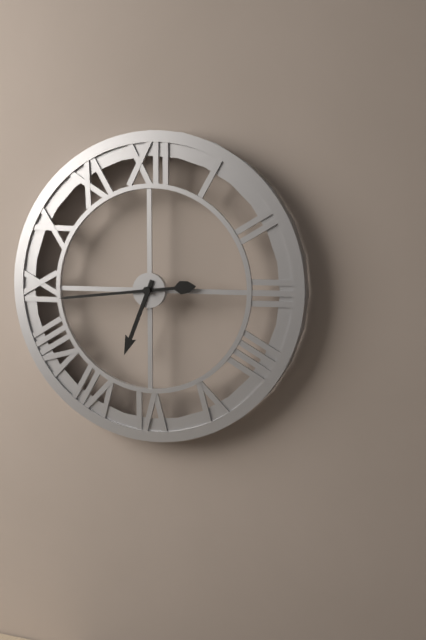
**6:44**
